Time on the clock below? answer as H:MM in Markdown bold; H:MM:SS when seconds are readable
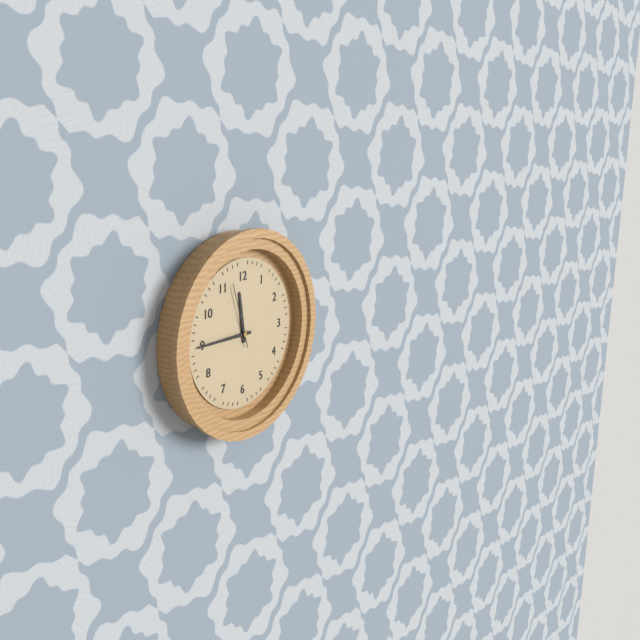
**11:45:57**
